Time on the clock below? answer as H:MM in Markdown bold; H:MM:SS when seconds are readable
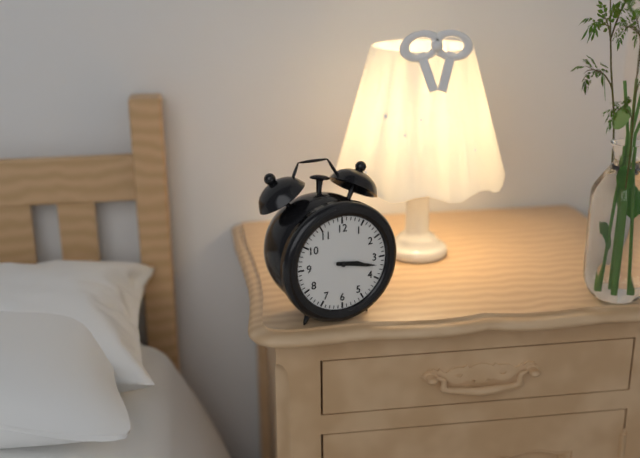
**3:17**
